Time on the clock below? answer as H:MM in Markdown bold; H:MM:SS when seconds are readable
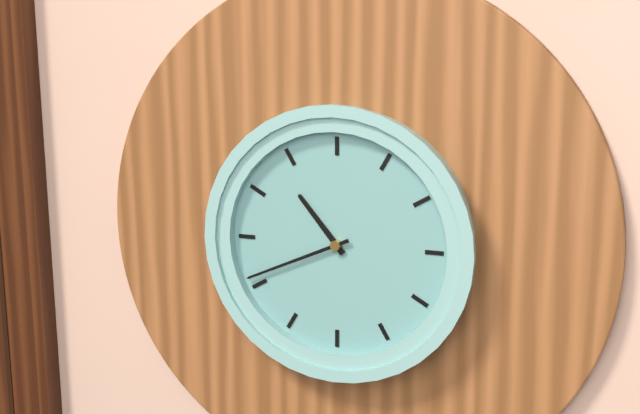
**10:41**
